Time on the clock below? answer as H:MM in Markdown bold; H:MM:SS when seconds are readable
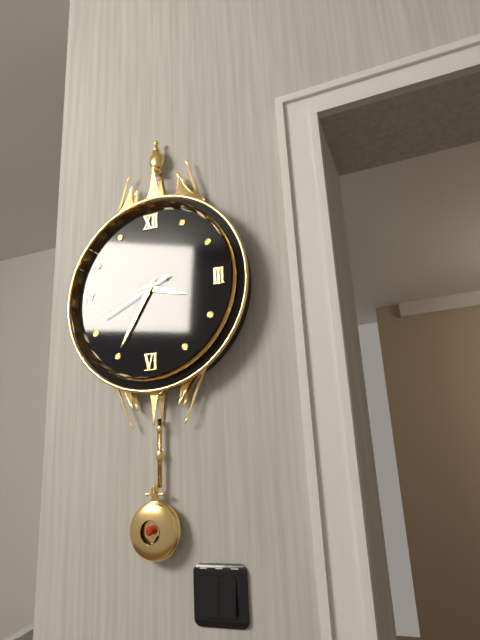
**3:35:41**
